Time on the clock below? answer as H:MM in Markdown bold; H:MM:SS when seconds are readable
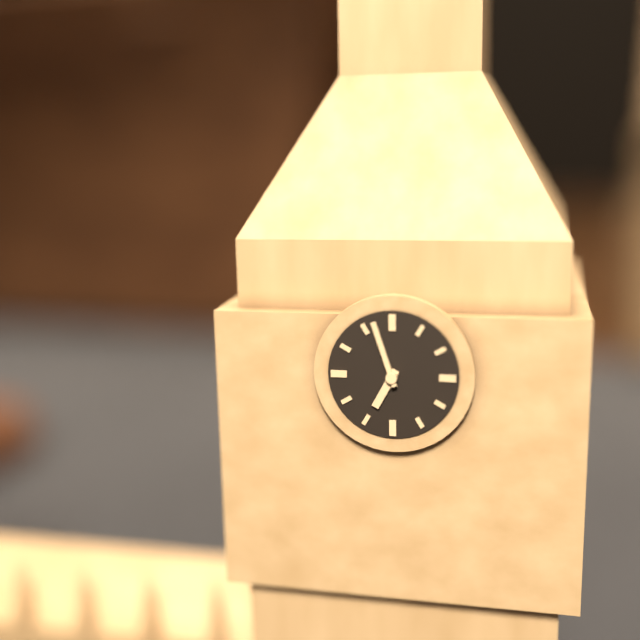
**6:57**
